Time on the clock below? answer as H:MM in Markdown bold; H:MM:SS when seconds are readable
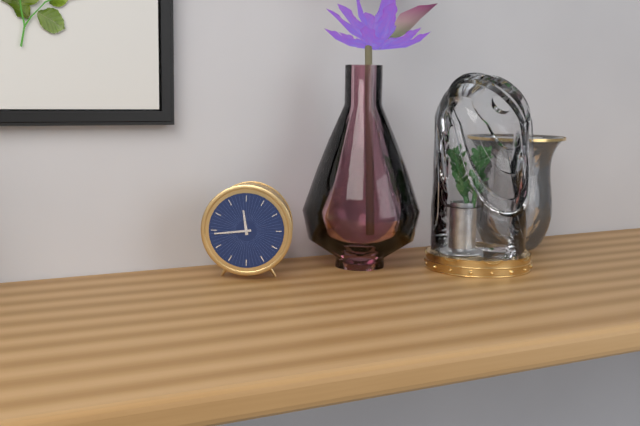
**11:44**
